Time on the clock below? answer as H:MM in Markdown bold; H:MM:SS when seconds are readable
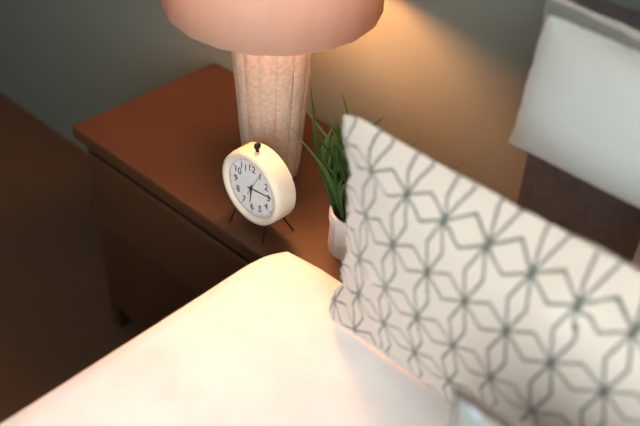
**6:14**
